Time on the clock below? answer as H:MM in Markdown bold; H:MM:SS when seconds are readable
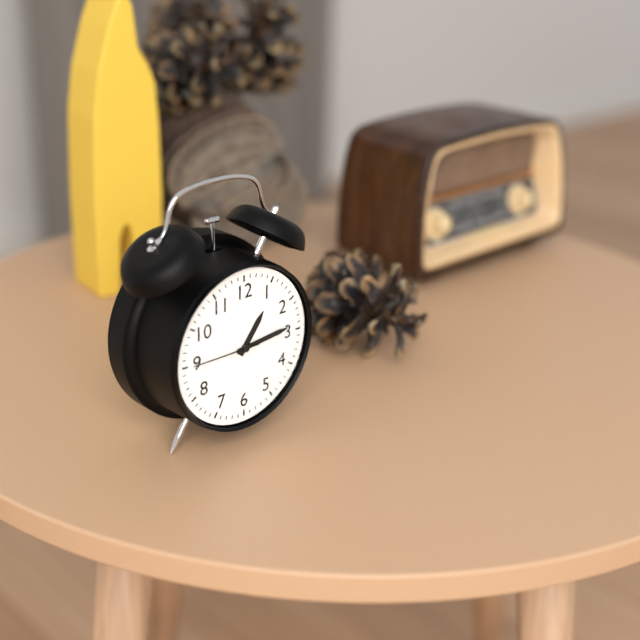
**1:14:45**
